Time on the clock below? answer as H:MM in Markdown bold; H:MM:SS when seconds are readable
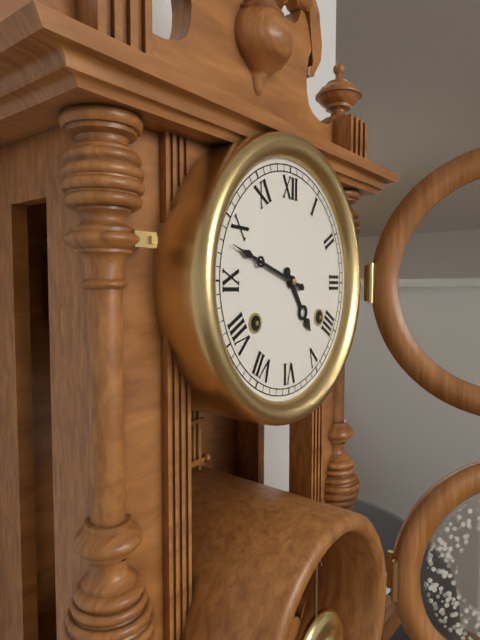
**4:48**
